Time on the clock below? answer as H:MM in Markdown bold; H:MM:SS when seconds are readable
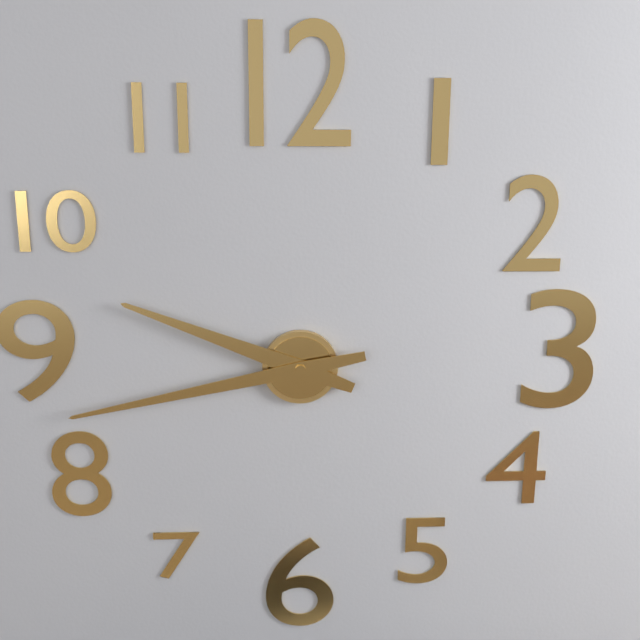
**9:43**
